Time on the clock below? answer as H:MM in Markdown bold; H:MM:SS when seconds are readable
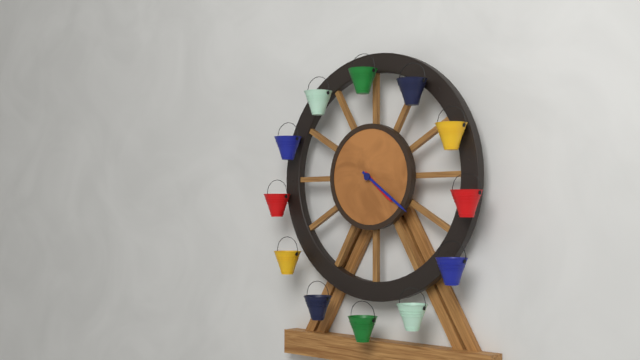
**4:21**
